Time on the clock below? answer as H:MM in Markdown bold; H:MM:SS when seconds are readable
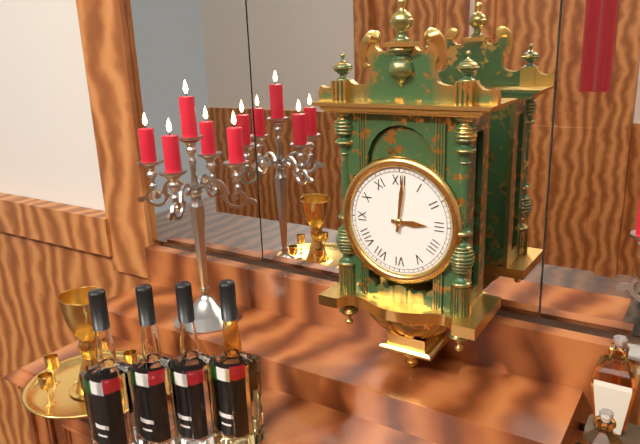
**3:01**
